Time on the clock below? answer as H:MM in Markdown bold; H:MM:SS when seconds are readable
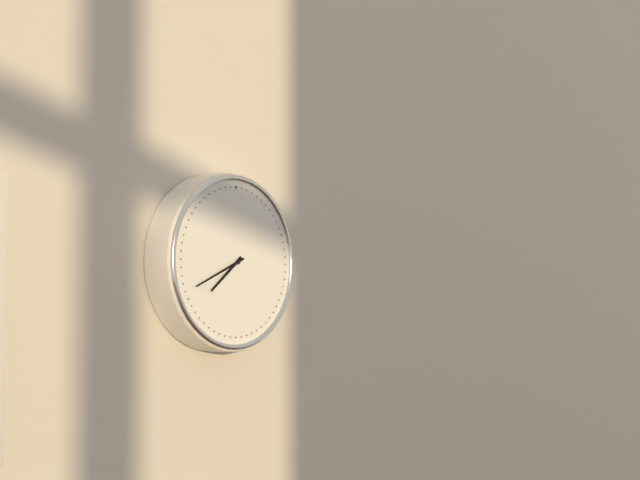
**7:41**
